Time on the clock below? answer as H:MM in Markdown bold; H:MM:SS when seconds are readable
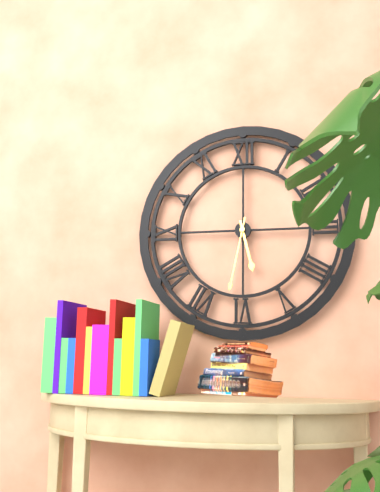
**5:32**
